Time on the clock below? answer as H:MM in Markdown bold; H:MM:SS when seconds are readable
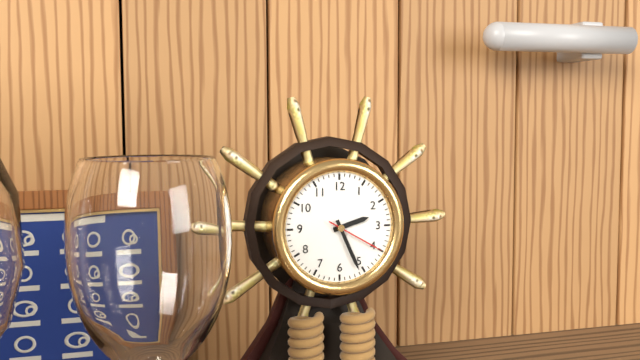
**2:26:20**
